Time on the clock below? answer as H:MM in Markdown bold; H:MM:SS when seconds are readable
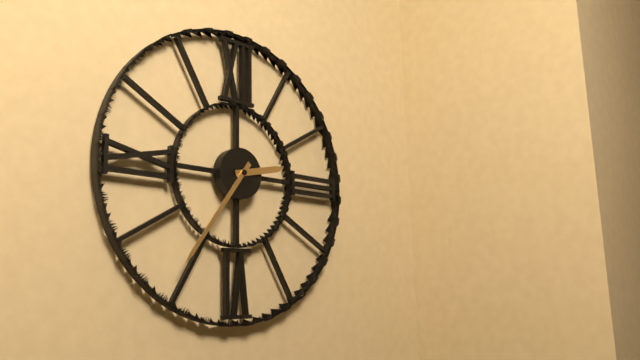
**2:36**
